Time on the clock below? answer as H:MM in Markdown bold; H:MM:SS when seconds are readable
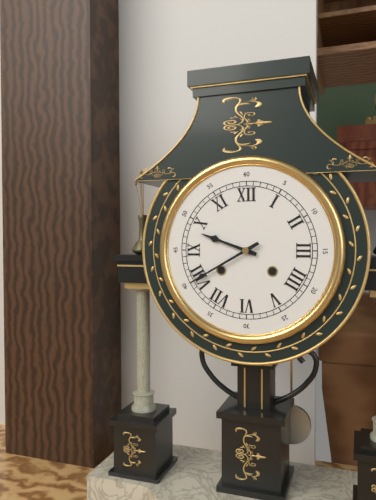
**9:40**
